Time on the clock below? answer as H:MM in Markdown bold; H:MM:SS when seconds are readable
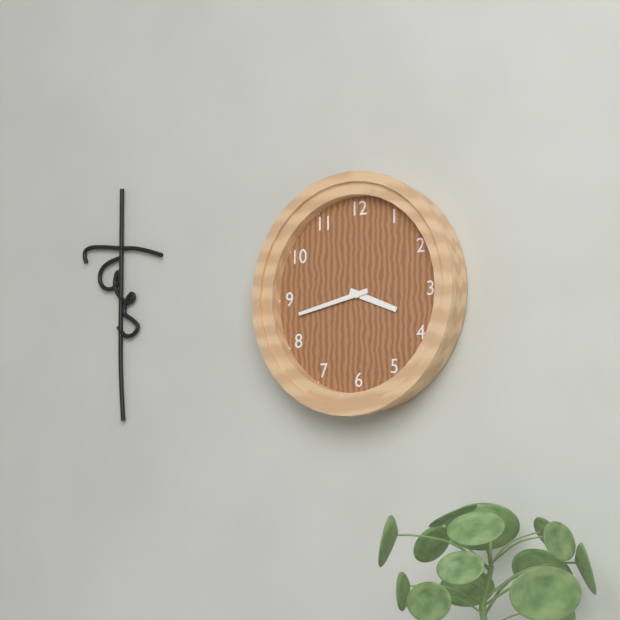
**3:43**
